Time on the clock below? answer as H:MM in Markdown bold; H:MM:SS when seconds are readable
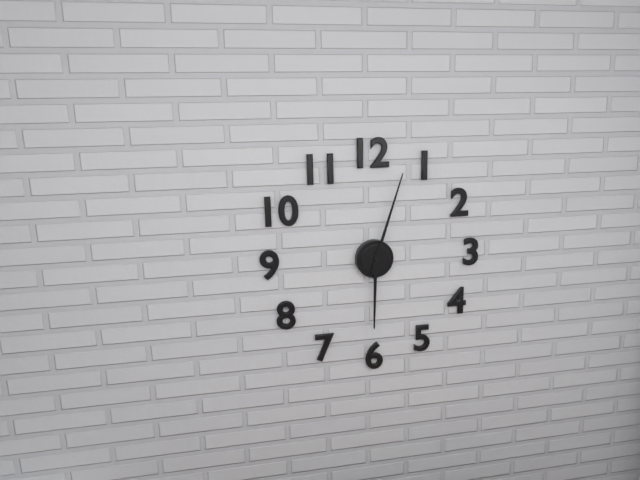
**6:03**
